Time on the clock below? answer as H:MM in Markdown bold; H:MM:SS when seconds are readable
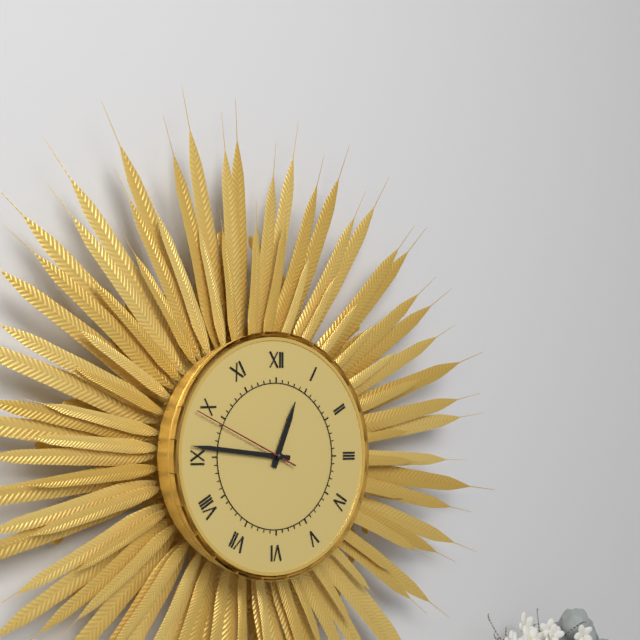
**12:46:49**
